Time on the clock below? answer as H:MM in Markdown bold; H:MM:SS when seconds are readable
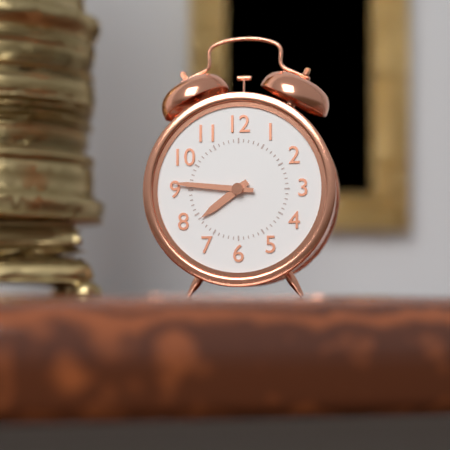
**7:46**
